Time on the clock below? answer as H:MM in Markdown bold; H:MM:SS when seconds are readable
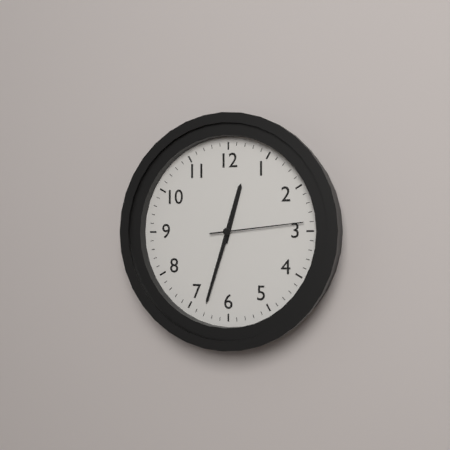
**12:33:14**
